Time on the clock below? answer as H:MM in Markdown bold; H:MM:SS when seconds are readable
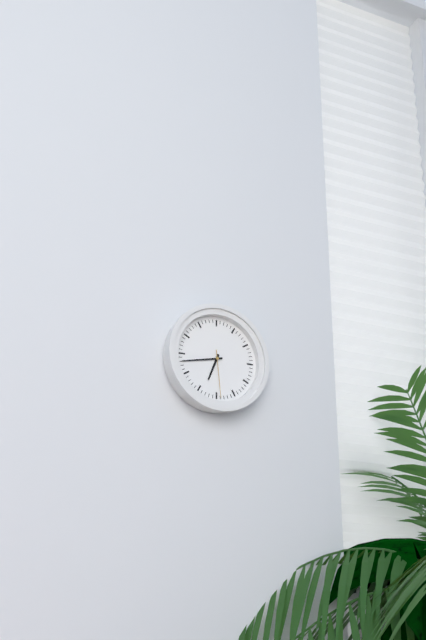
**6:43**
